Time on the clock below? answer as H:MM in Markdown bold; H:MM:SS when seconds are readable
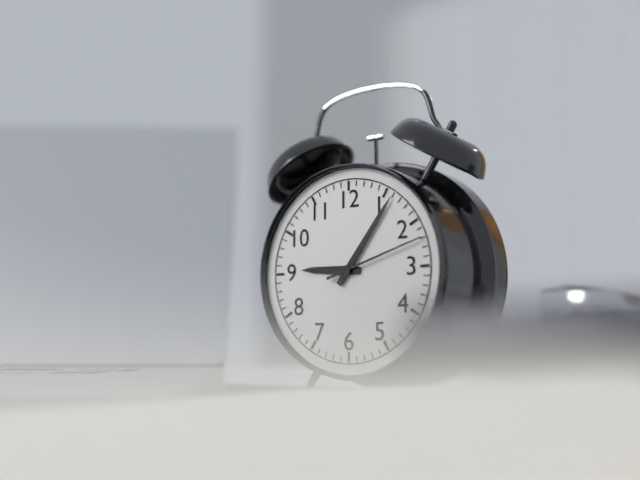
**9:06:12**
